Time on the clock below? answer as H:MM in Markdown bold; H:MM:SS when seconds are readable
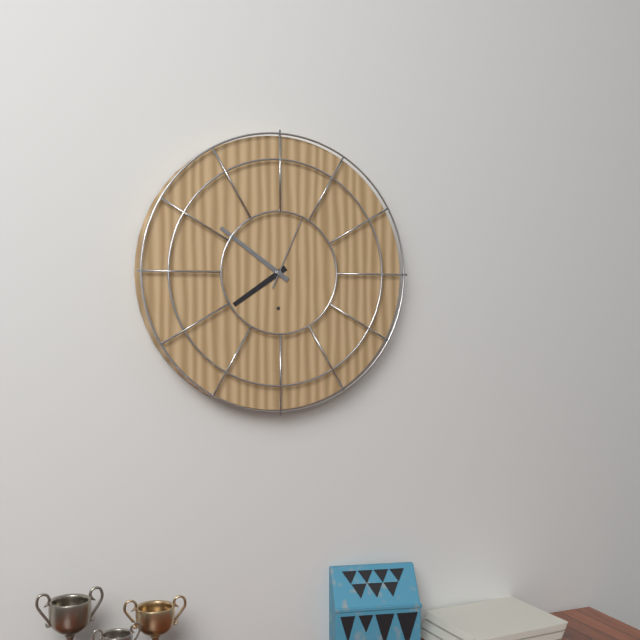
**7:51:04**
